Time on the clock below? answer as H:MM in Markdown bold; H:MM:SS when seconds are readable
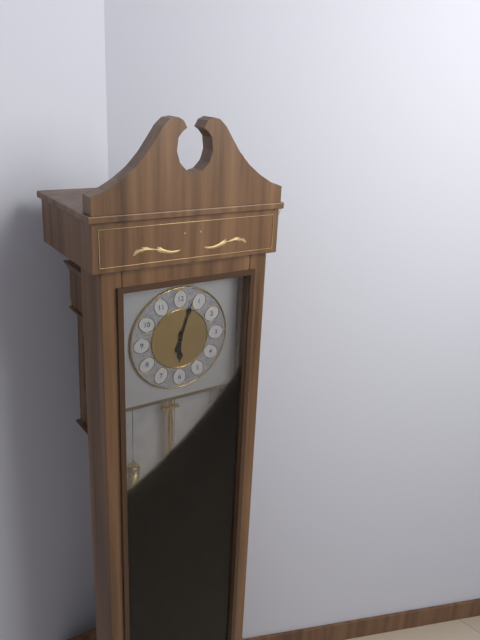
**6:03**
